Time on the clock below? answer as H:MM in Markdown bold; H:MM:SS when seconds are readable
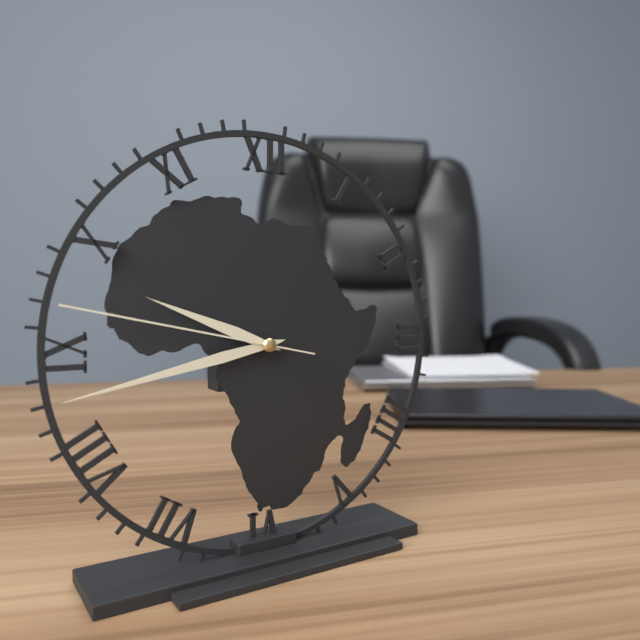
**9:43:47**
